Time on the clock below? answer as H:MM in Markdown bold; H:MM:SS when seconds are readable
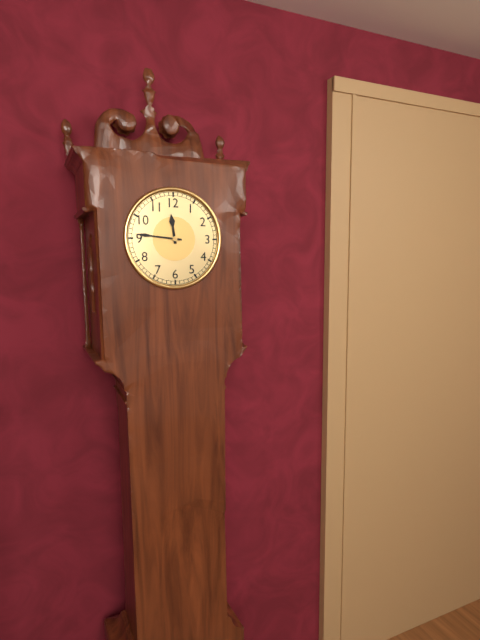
**11:46**
